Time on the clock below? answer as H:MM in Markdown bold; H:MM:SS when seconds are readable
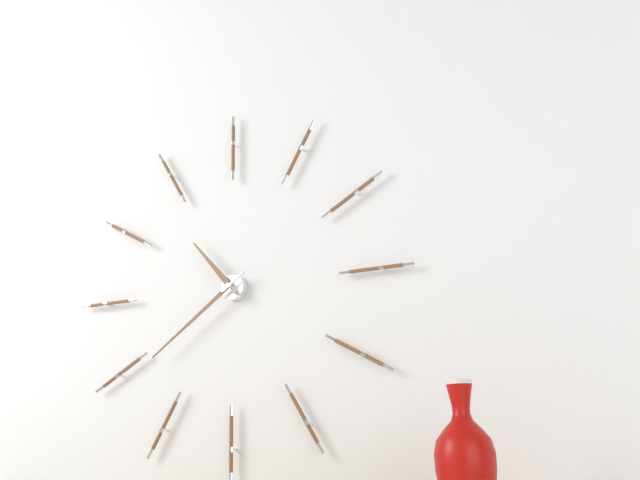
**10:39**
